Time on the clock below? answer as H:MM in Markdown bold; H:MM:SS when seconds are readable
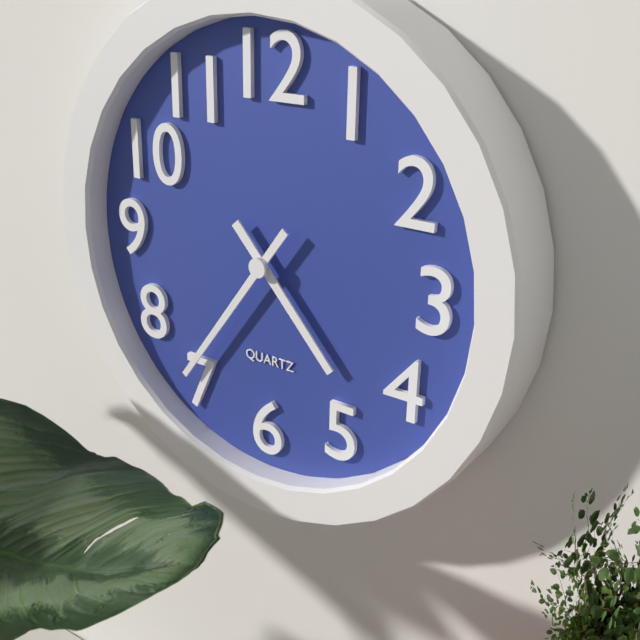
**4:36**
